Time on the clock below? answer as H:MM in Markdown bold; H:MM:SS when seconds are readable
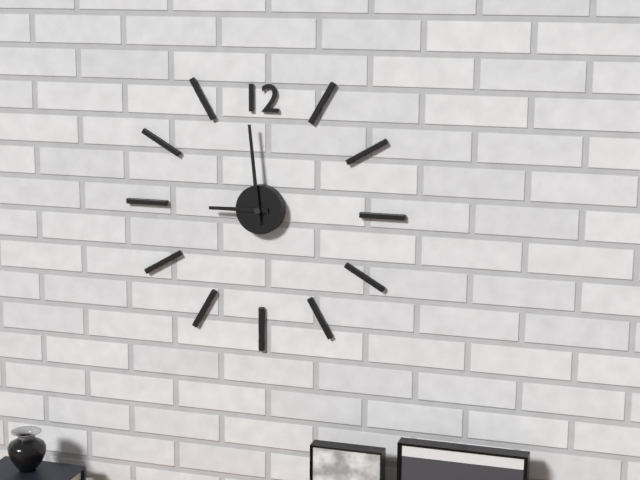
**8:59**
